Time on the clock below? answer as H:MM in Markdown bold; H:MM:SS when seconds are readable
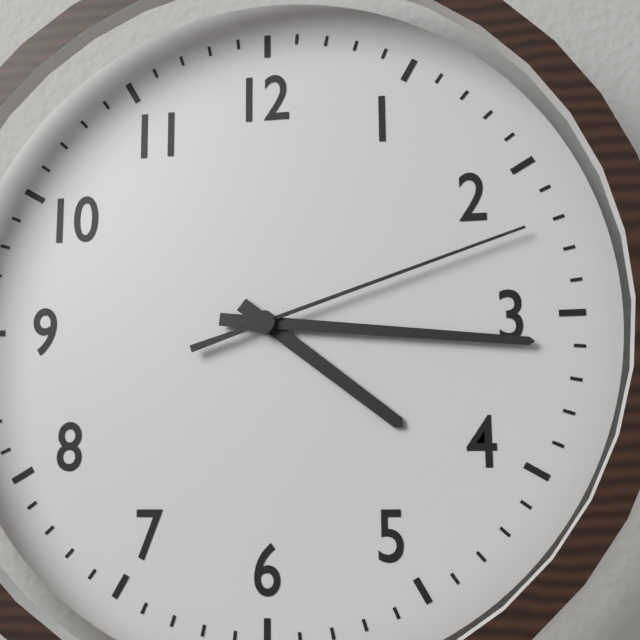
**4:16:12**
